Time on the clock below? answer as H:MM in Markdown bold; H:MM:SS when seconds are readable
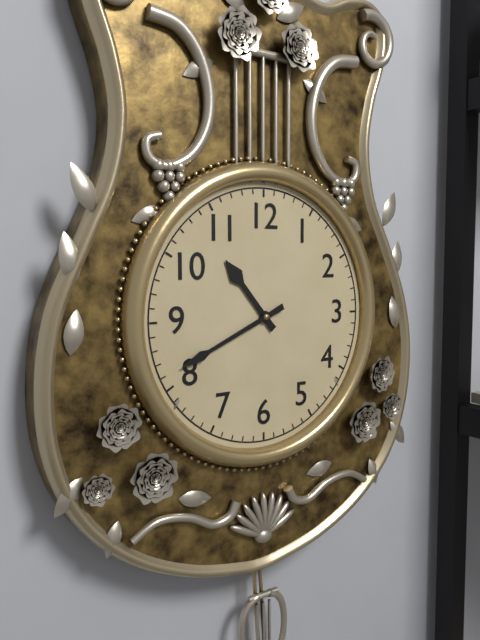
**10:41**
